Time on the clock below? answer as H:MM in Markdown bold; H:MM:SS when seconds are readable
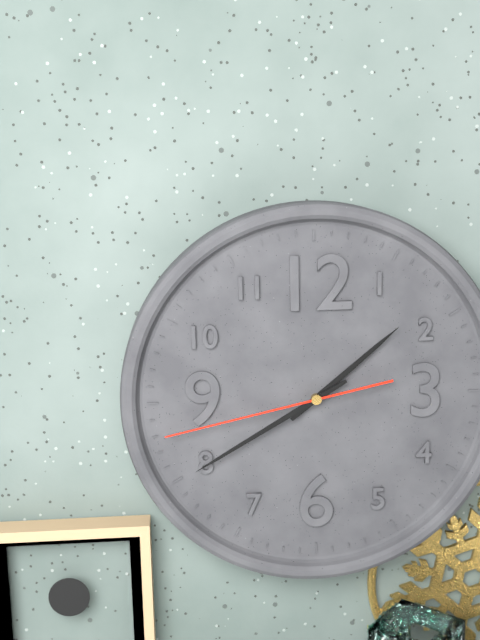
**1:40:43**
